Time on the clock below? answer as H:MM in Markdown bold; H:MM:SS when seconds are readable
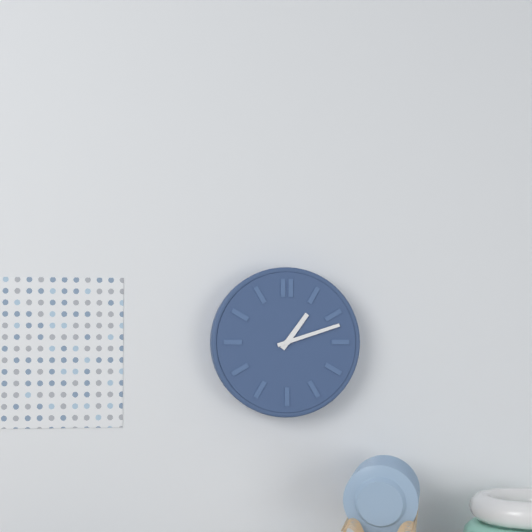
**1:12**
